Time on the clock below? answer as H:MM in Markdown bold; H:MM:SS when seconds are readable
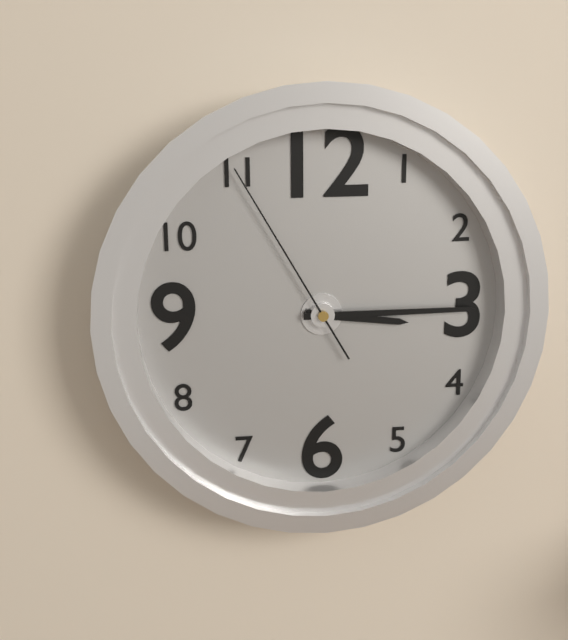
**3:15:55**
